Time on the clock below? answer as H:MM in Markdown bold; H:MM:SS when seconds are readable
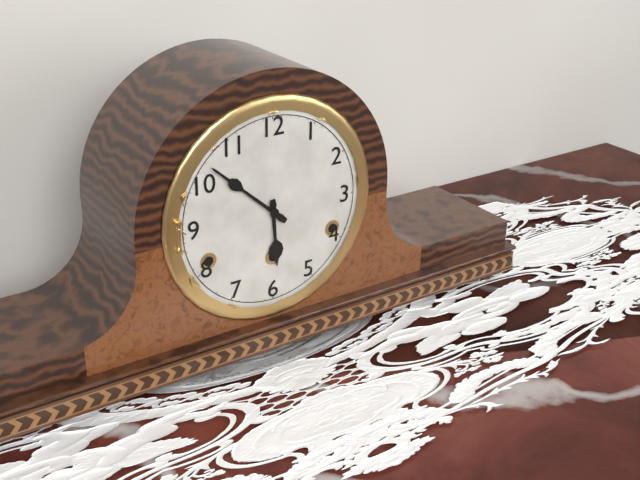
**5:52**
